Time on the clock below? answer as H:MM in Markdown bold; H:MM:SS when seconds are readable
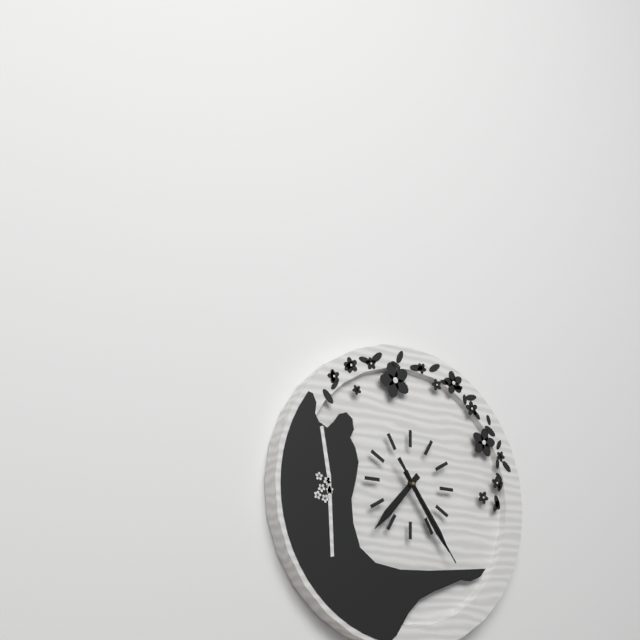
**7:24:24**
